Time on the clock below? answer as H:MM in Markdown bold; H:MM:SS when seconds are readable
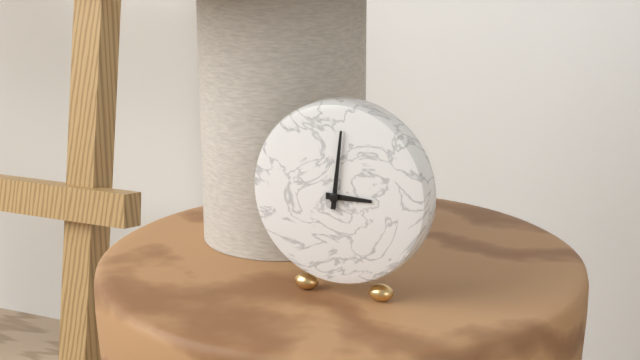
**3:01**
